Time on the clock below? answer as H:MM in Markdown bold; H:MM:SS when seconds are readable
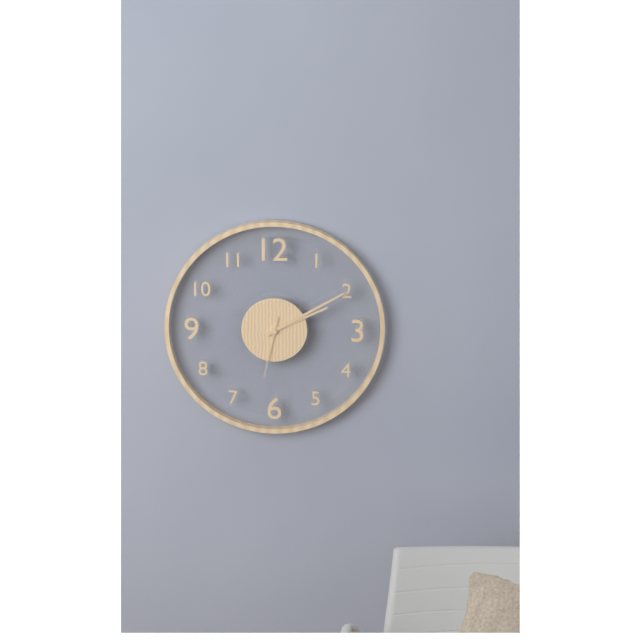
**2:10:32**
